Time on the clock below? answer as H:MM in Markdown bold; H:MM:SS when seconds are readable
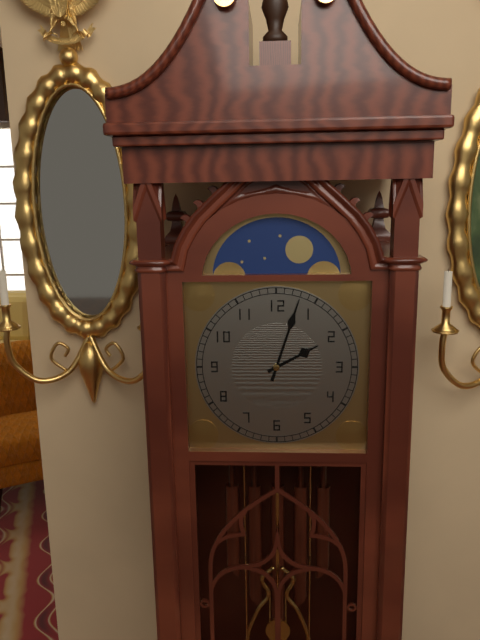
**2:03**
